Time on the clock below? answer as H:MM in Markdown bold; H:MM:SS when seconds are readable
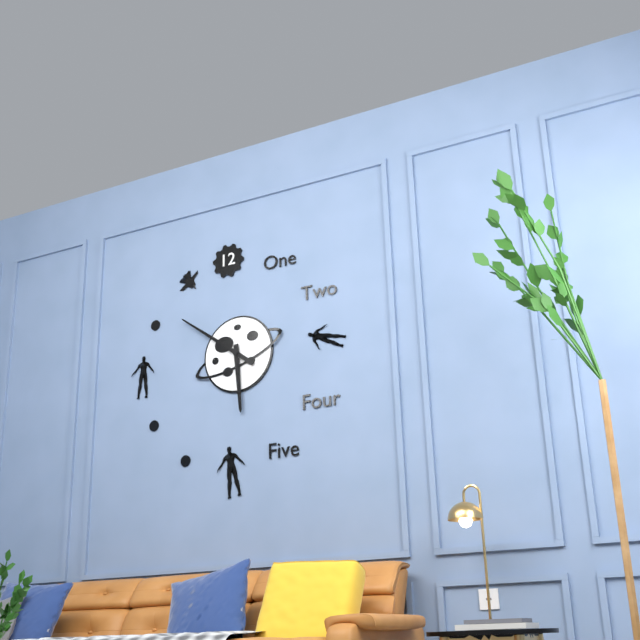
**5:51**
